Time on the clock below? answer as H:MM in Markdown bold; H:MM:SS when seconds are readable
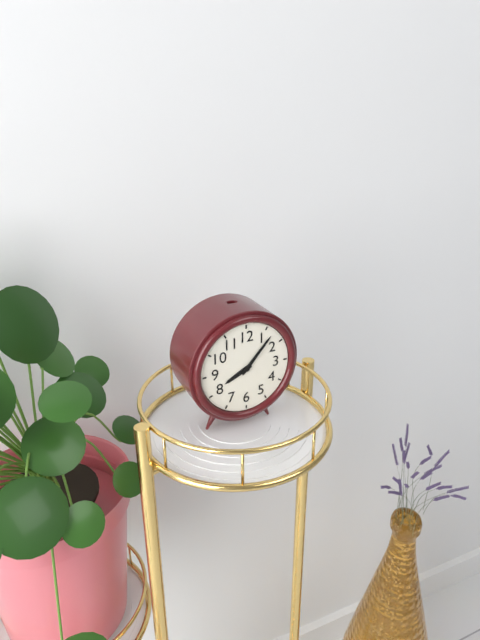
**8:07**
